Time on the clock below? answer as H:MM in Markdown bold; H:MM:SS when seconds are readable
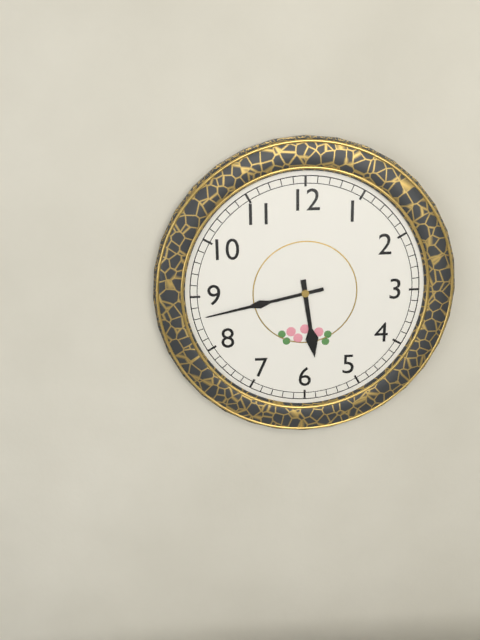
**5:43**
